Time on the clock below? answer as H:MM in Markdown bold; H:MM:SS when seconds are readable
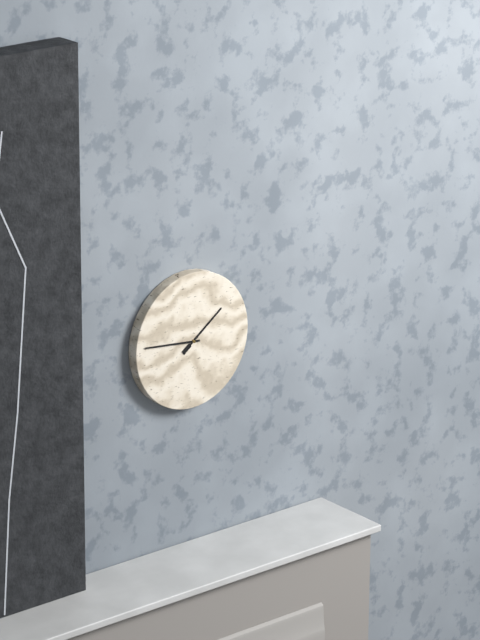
**1:46**
